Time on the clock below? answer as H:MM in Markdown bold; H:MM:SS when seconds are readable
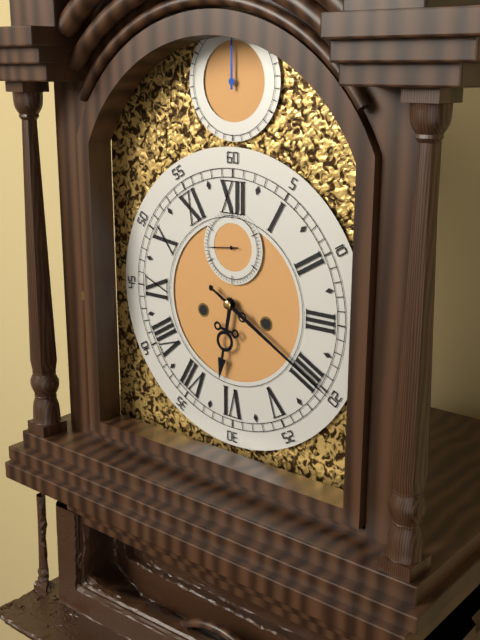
**6:20**
